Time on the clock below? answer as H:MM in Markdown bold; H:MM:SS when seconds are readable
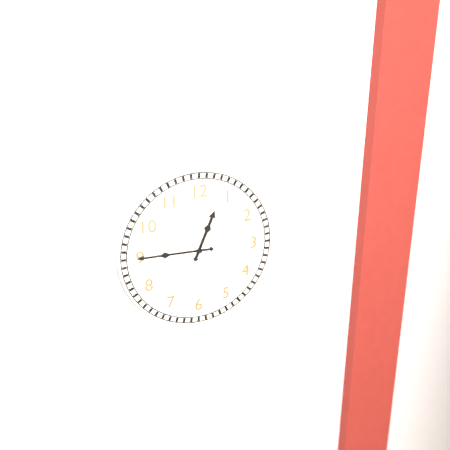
**12:45**
